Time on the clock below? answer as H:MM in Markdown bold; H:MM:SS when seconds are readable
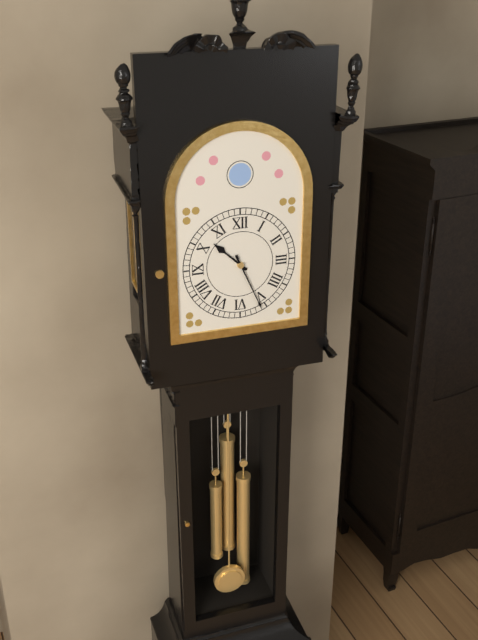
**10:26**
